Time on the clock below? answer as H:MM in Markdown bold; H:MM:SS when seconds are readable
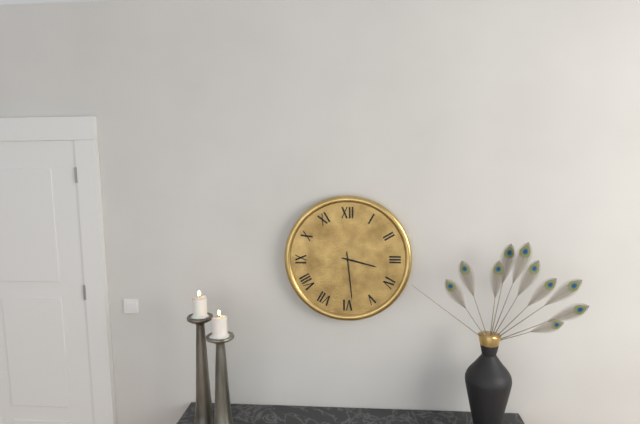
**3:29**
